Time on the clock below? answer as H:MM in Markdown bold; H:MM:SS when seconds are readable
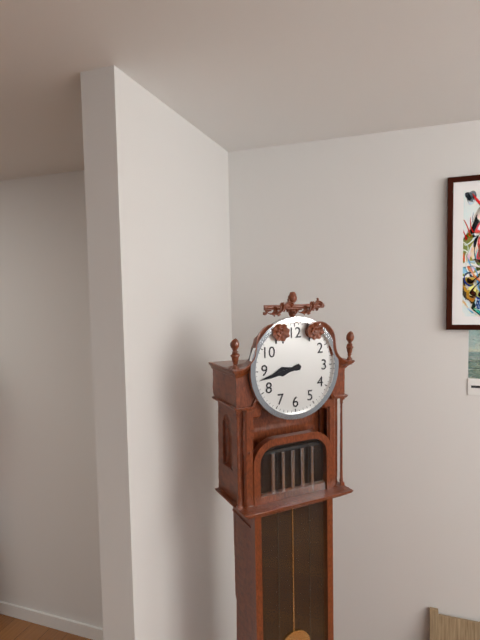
**8:43**
